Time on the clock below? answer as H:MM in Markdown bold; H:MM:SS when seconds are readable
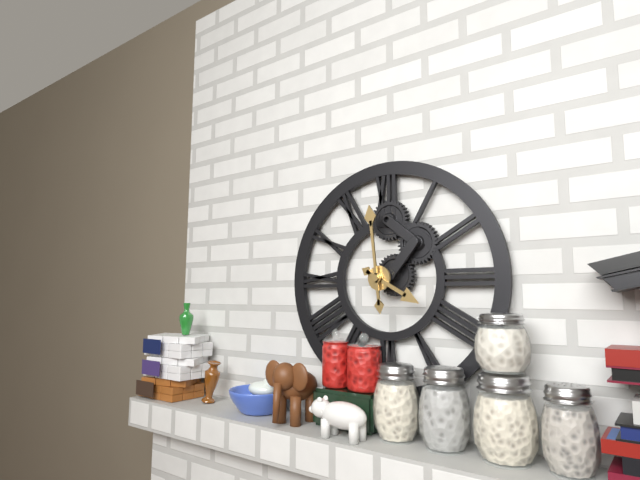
**3:59**
